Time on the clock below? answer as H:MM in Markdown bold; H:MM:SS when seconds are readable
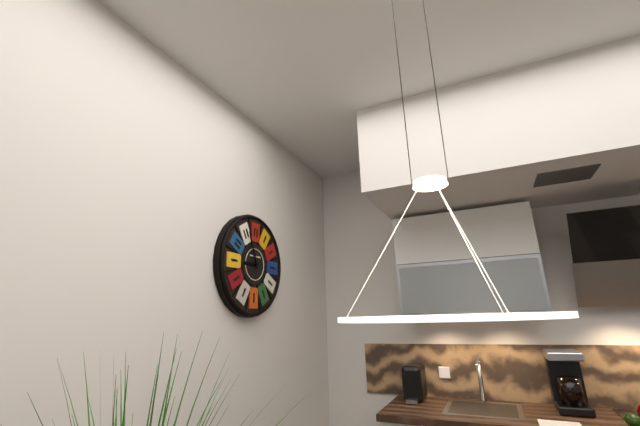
**8:56**
